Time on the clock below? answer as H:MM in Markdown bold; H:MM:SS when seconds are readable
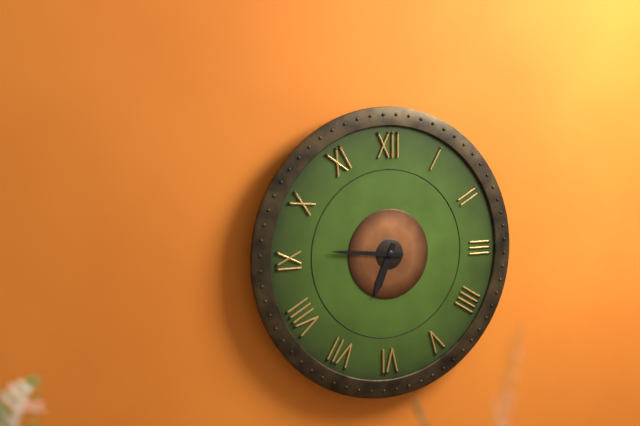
**6:46**
